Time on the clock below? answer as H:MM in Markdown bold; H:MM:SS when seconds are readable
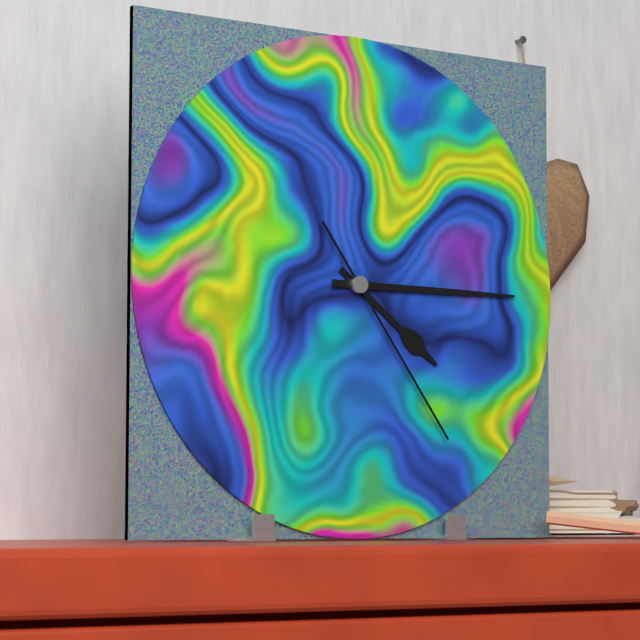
**4:15:24**
